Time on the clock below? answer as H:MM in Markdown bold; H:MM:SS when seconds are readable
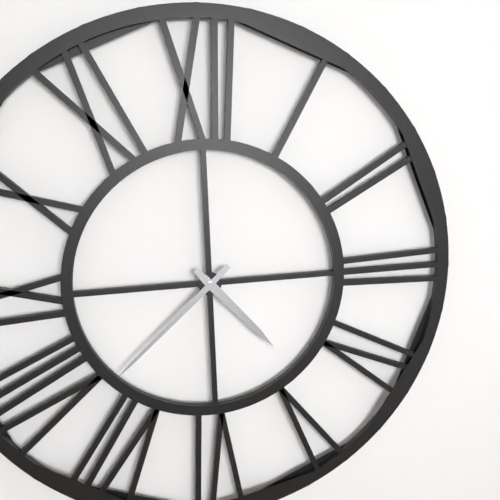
**4:38**
